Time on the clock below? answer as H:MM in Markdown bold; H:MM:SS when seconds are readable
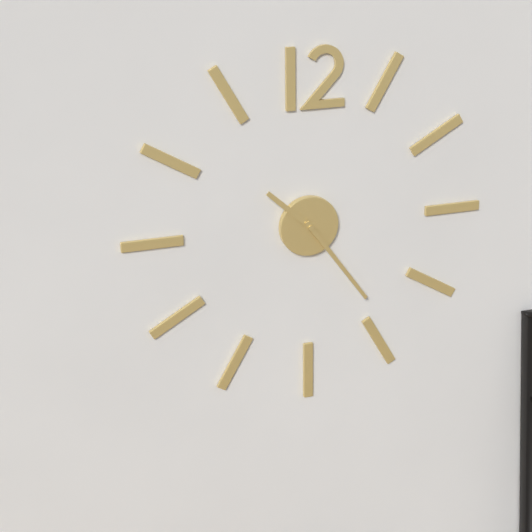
**10:24**
